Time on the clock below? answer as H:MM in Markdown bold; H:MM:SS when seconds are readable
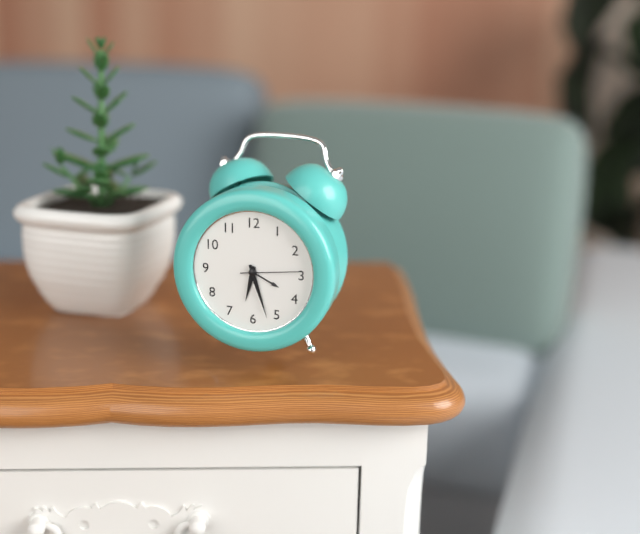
**6:27:14**
